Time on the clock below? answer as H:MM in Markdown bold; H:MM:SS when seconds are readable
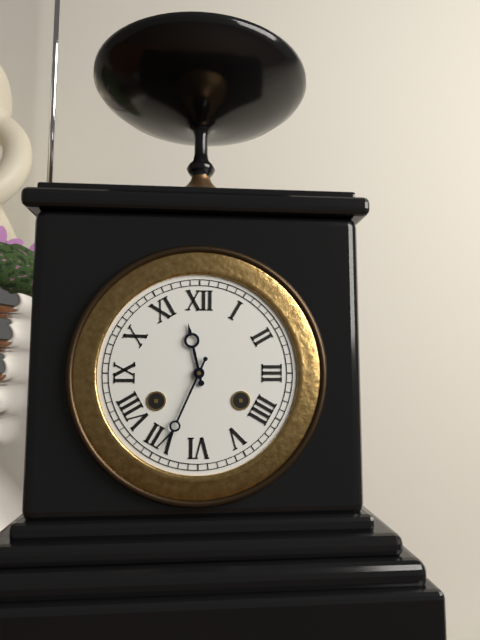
**11:34**
